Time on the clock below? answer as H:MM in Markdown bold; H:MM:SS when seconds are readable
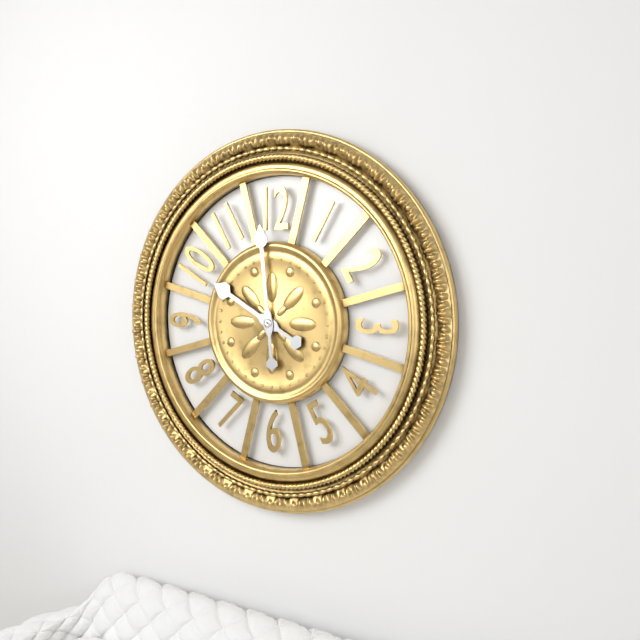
**9:59**
